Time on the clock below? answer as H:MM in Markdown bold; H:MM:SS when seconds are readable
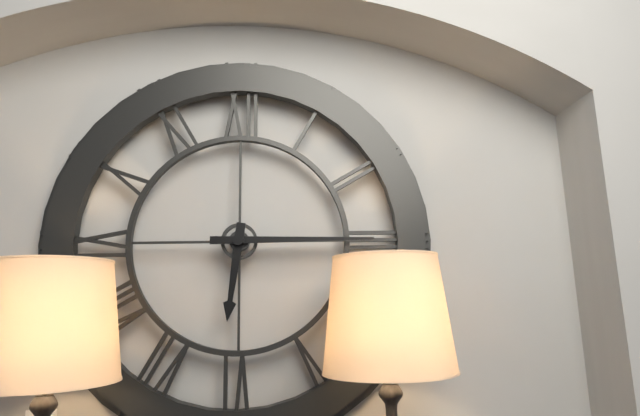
**6:15**
